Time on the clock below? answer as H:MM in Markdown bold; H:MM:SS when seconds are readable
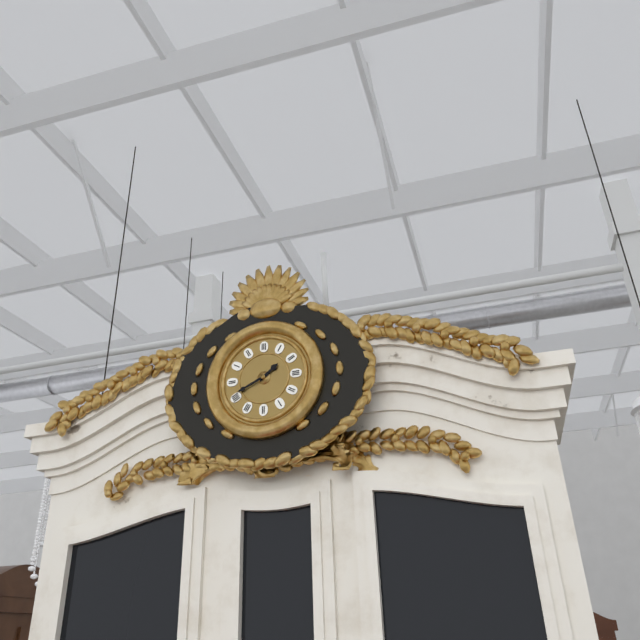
**1:41**
